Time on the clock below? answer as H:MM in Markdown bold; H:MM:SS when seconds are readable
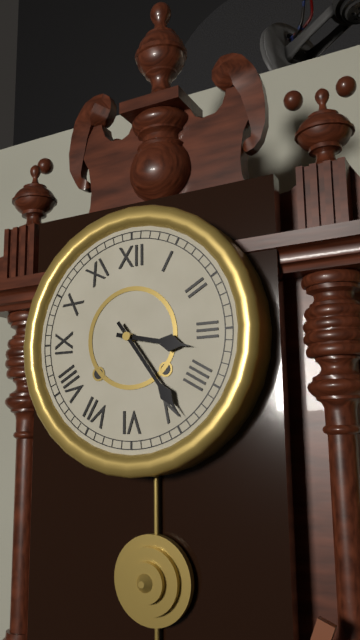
**3:24**
